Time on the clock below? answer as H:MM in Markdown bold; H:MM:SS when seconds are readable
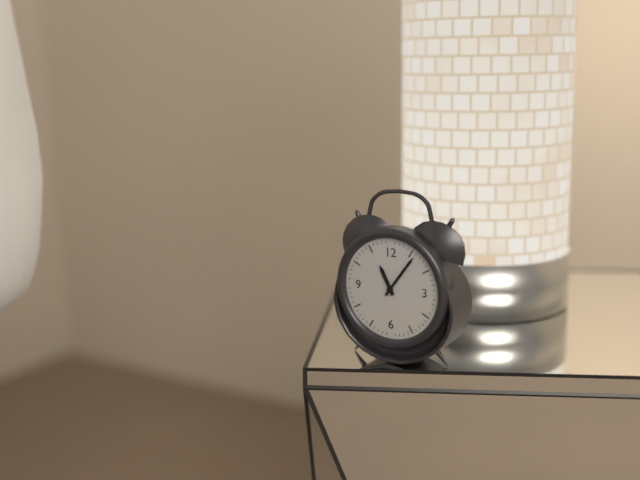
**11:06**
